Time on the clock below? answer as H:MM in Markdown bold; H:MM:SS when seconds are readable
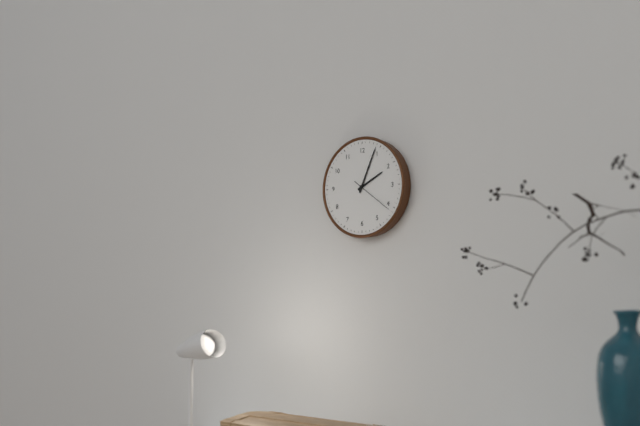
**2:04**
